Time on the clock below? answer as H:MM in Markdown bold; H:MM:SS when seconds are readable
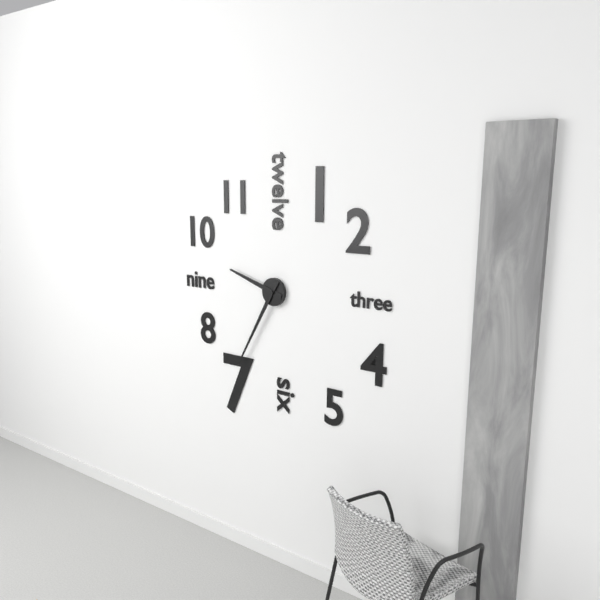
**9:35**
